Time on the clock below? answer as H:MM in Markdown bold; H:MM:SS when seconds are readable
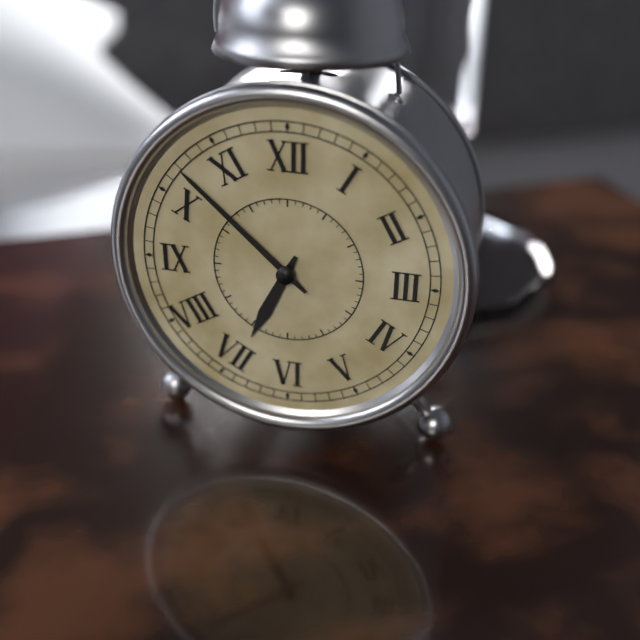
**6:52**
